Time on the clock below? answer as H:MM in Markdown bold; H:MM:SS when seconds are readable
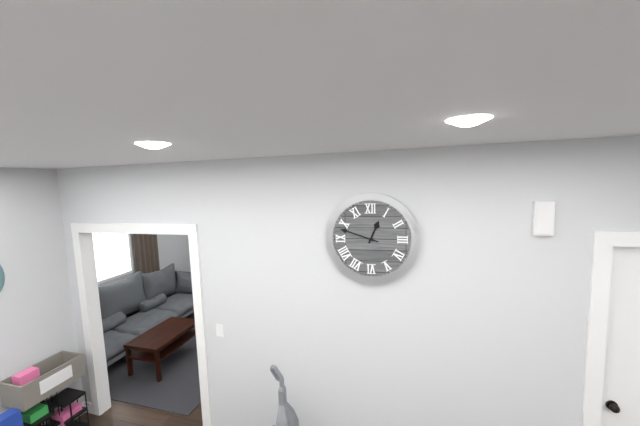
**12:48**
